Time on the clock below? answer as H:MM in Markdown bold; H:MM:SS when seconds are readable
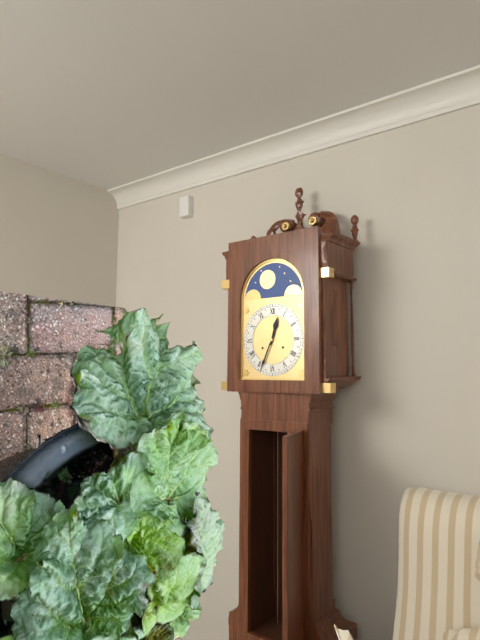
**12:34**
